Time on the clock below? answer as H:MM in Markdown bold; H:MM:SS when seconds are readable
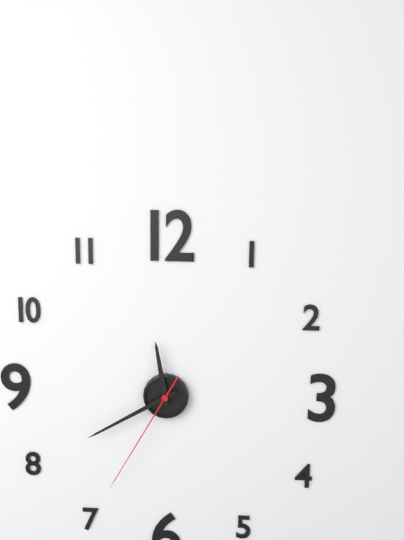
**11:40:35**
